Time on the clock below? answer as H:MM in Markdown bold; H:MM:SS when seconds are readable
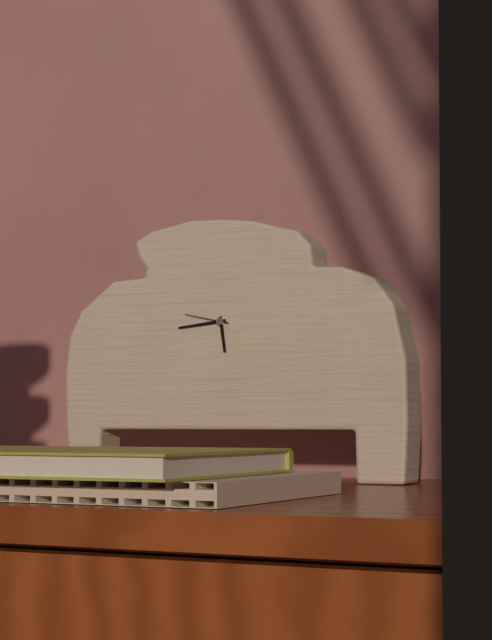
**5:44**
